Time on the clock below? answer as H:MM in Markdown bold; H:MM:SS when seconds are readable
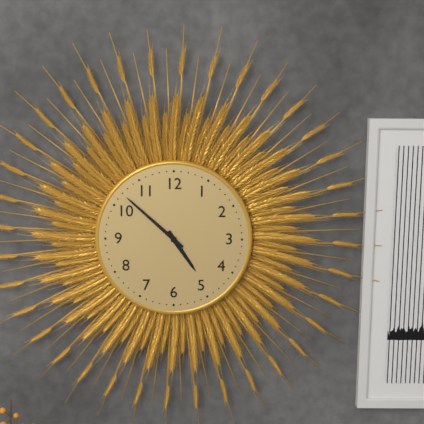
**4:52**
